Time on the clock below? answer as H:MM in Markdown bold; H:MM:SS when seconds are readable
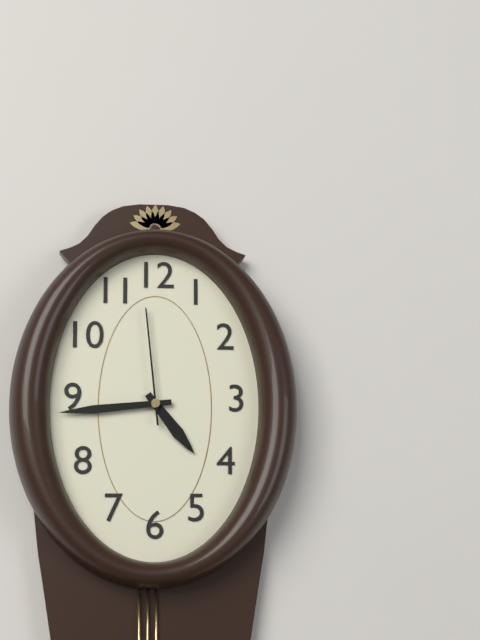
**4:44:59**
